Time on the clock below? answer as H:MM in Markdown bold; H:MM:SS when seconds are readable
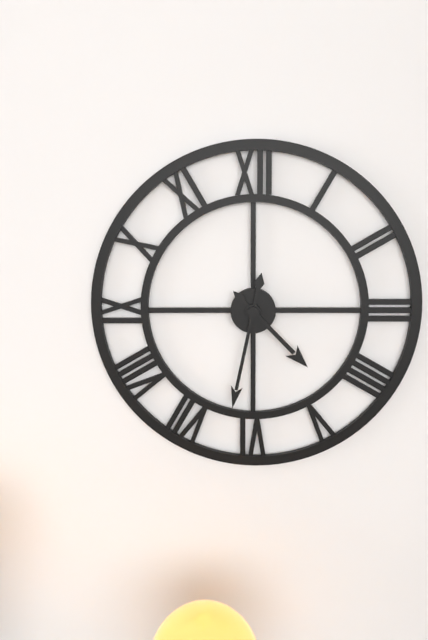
**4:32**
